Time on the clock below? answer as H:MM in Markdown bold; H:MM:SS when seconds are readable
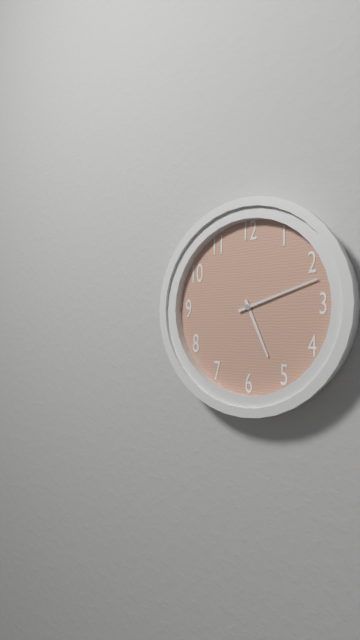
**5:12**
